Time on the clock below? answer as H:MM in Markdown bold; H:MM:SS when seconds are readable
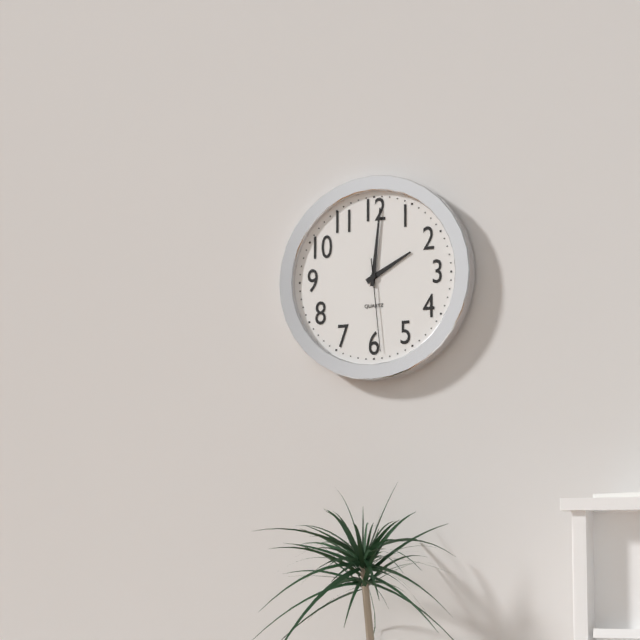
**2:01:29**
